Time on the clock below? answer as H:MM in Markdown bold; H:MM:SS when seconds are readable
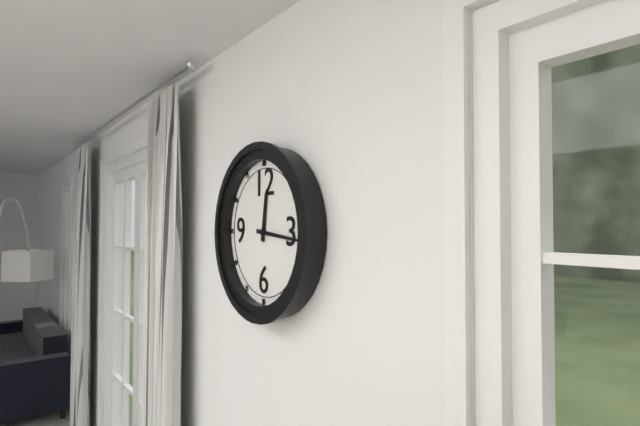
**12:16**
